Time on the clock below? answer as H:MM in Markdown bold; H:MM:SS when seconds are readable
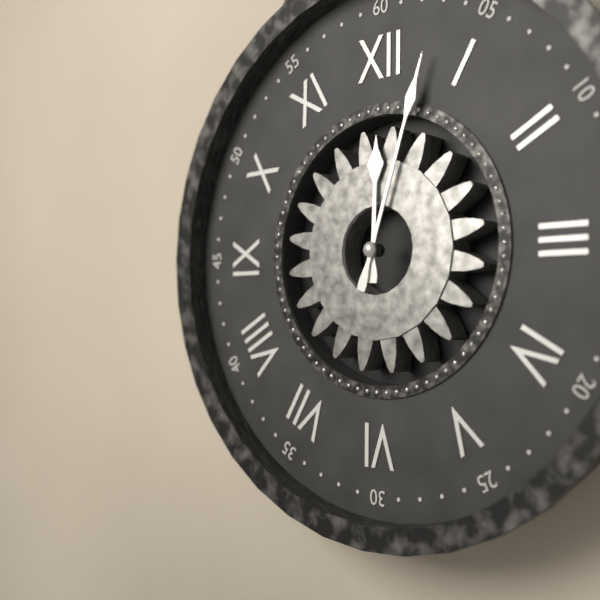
**12:03**
